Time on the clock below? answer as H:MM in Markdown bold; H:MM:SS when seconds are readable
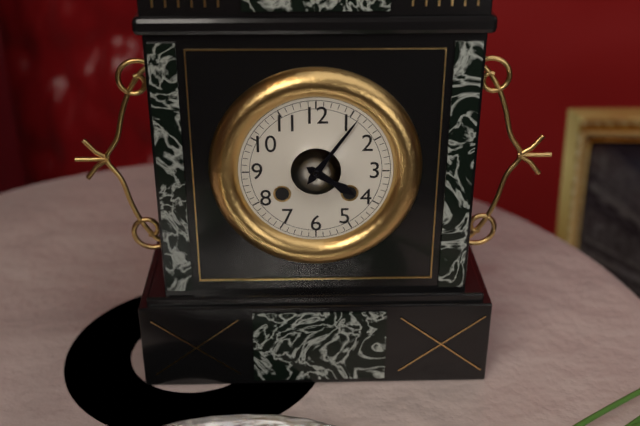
**4:06**
